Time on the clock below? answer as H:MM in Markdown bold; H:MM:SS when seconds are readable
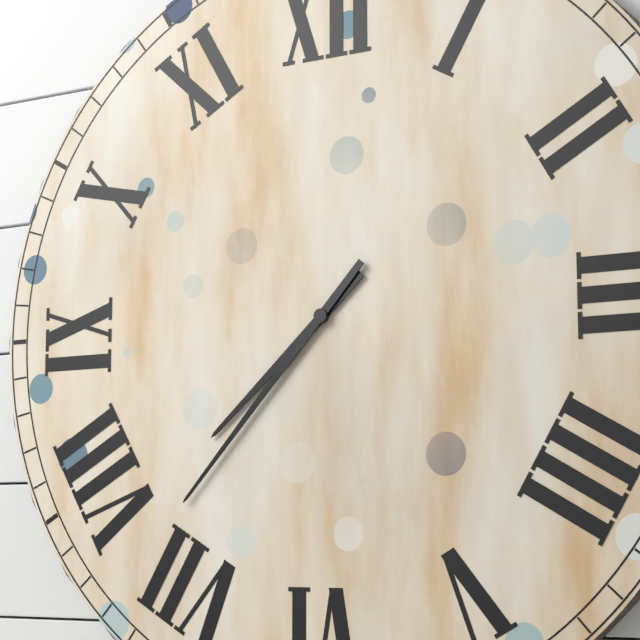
**7:37**
